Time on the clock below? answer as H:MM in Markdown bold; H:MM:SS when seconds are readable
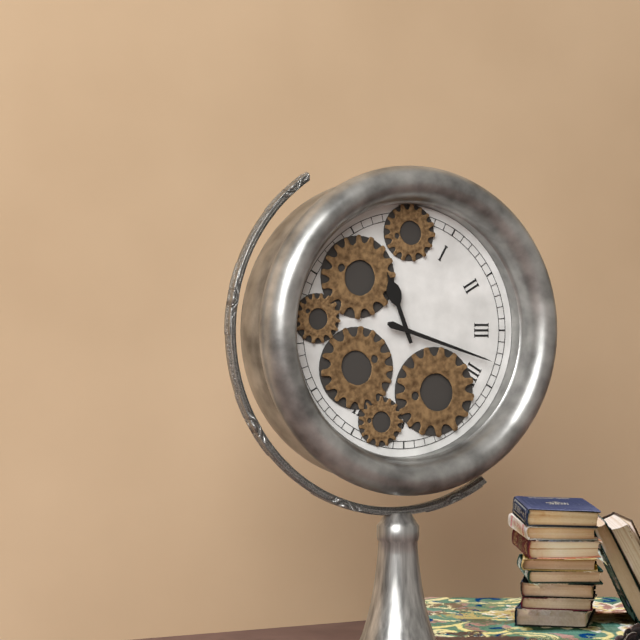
**11:18**
